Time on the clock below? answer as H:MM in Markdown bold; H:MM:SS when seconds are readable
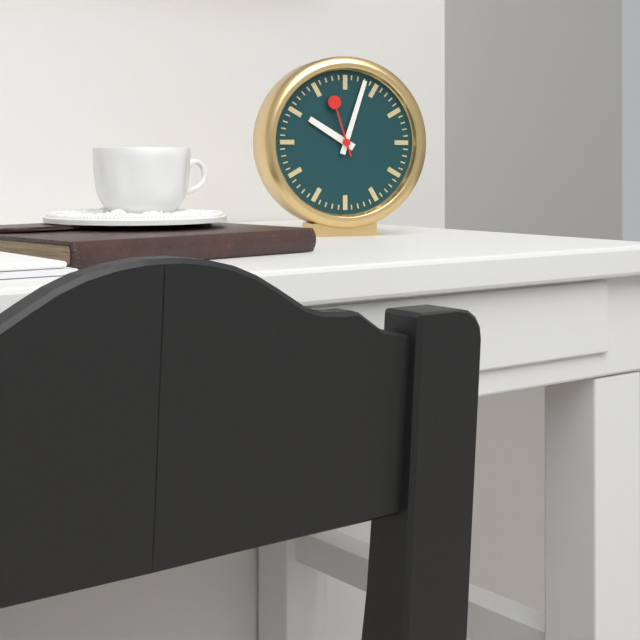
**10:03:57**
